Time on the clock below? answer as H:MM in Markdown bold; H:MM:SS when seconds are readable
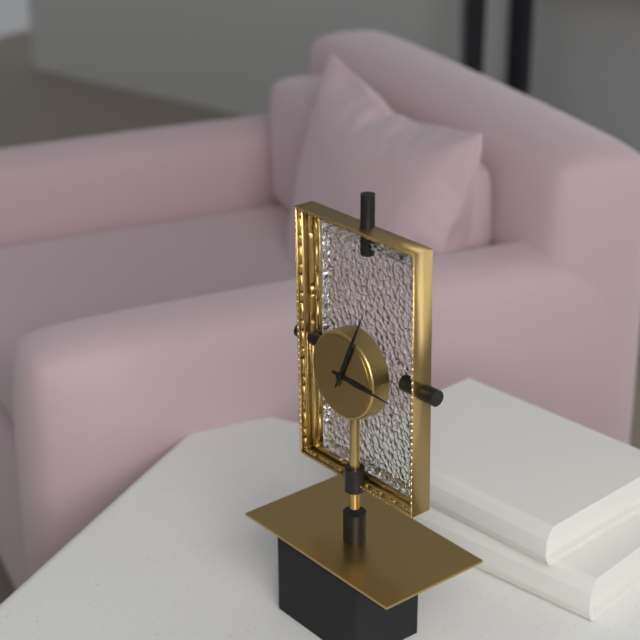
**3:04**
